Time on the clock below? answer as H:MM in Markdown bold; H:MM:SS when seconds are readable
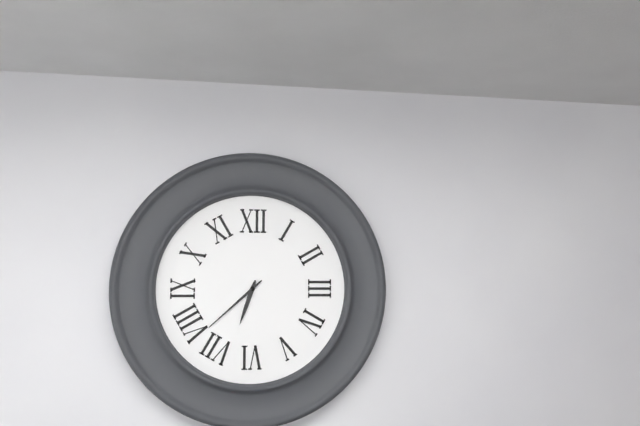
**6:38**
